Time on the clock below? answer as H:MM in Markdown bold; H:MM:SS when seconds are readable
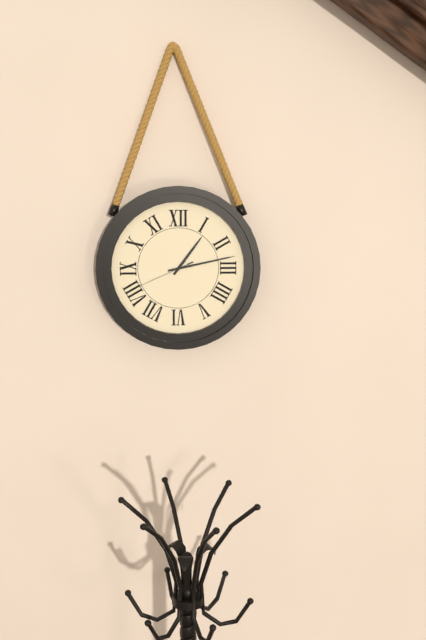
**1:13:41**
